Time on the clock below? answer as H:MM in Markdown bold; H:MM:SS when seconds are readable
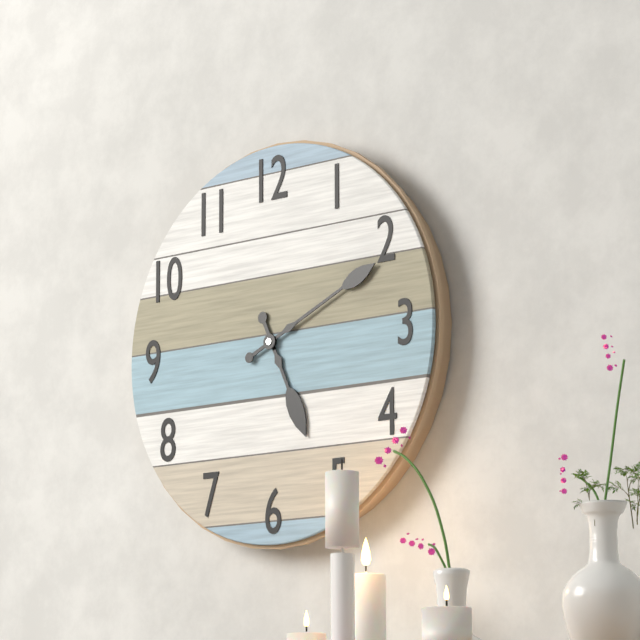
**5:11**
